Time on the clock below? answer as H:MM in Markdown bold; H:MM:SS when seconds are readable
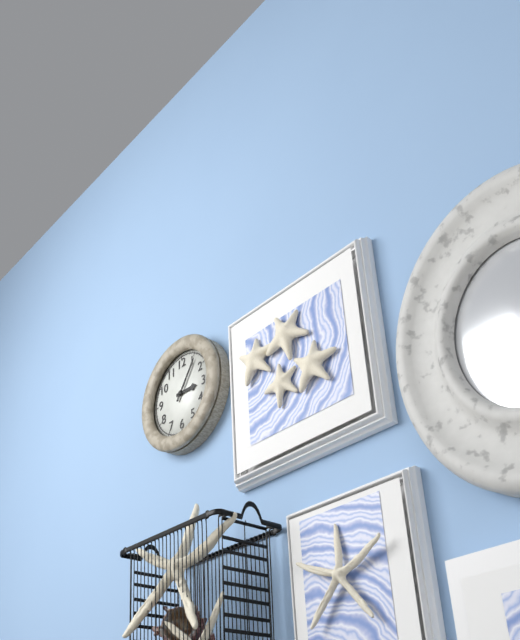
**3:06**
